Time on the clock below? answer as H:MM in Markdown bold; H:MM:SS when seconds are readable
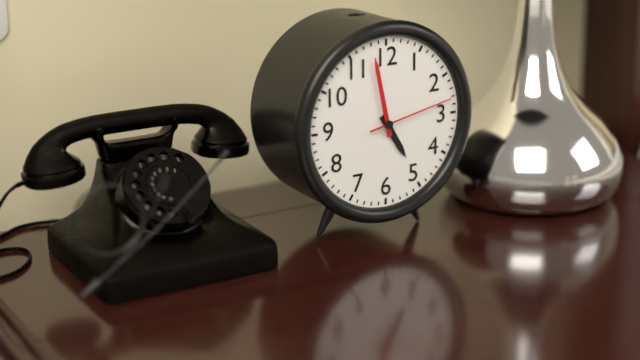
**4:58:13**
